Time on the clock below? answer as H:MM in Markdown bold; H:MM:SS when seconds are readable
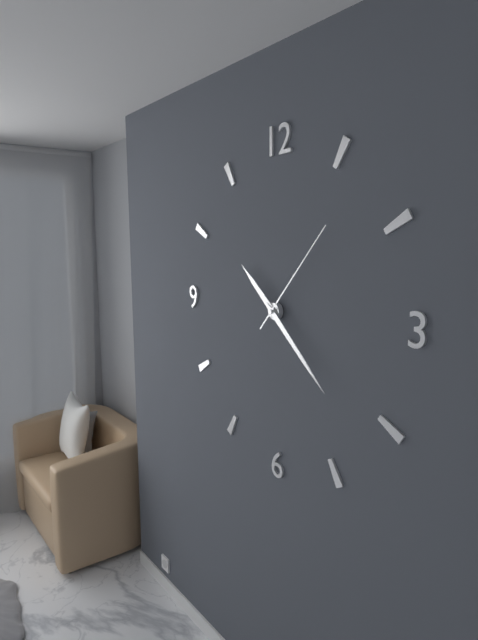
**10:22:07**
